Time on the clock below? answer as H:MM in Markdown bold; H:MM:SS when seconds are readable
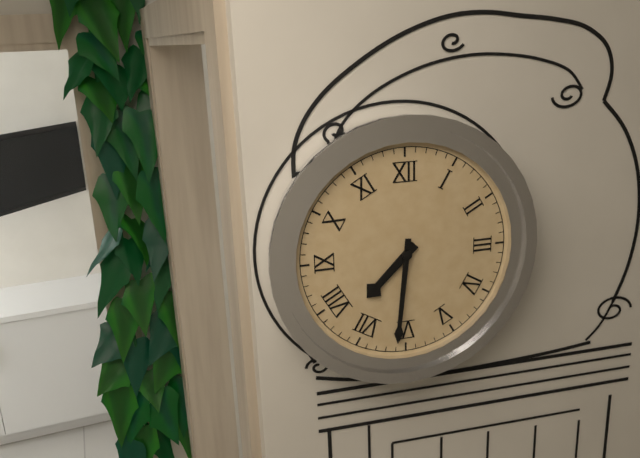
**7:31**
